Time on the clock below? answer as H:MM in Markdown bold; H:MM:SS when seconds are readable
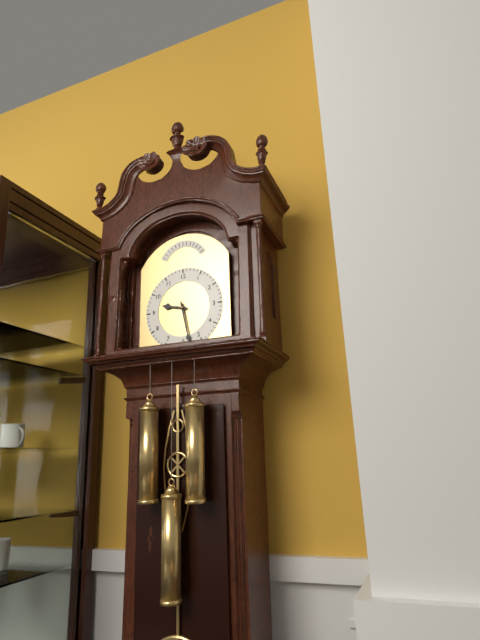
**9:28**
